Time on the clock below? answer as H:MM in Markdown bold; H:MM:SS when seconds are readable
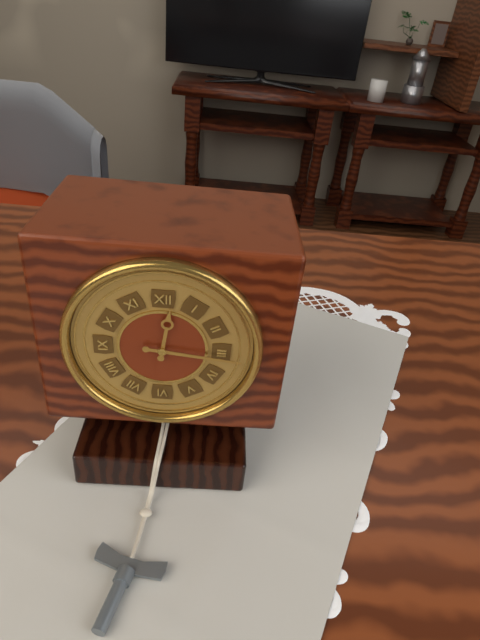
**12:16**
